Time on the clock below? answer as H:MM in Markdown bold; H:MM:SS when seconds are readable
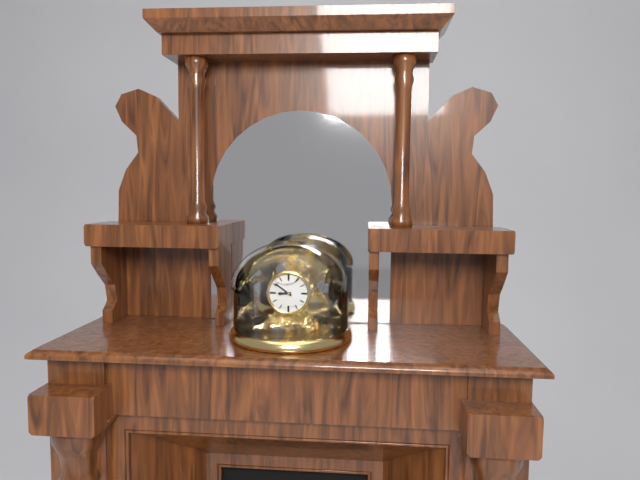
**8:51**
